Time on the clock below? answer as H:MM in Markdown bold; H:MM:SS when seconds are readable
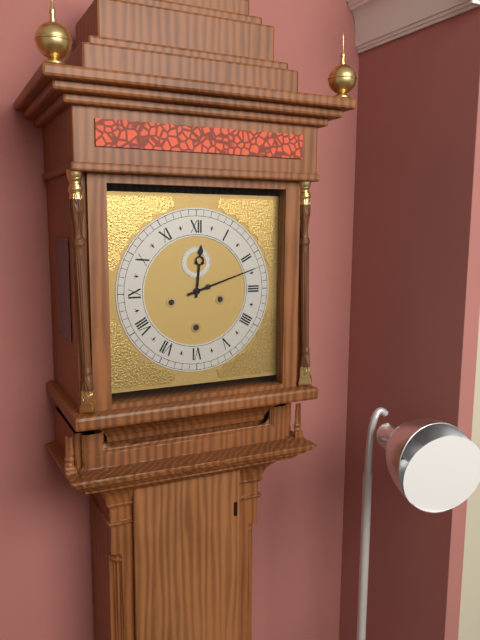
**12:12**
